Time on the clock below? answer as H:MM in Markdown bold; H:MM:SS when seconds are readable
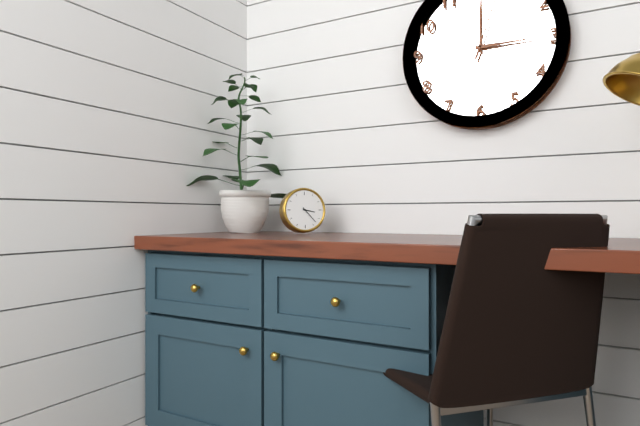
**3:23**
